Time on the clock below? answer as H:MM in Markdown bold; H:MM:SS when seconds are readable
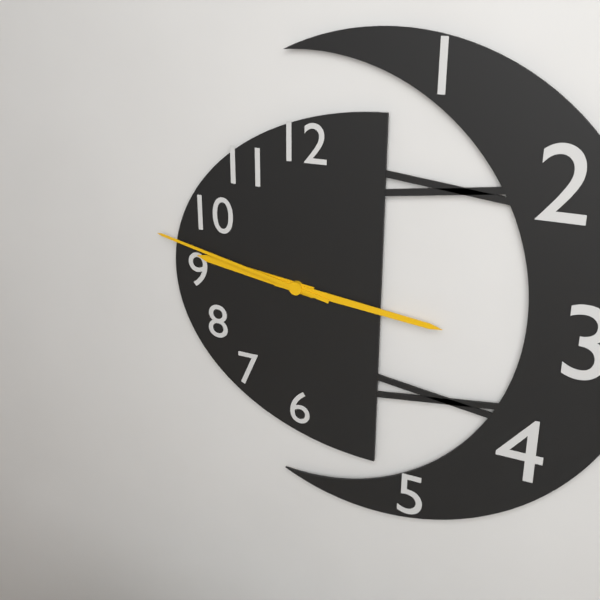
**9:16:47**
